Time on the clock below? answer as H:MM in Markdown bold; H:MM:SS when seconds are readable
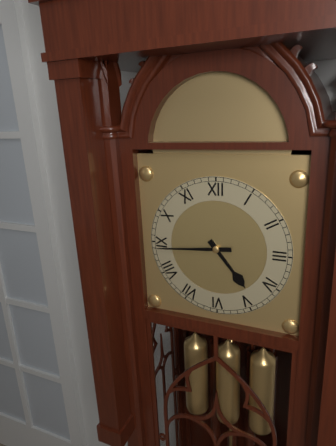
**4:44**
